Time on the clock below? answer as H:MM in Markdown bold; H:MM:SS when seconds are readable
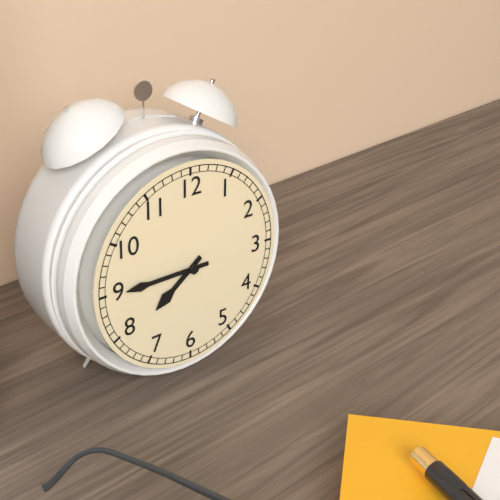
**7:45**
